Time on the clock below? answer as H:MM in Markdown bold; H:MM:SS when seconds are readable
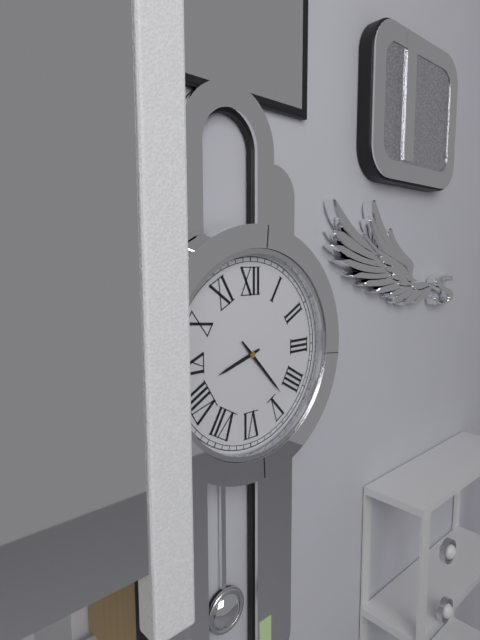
**8:23**
